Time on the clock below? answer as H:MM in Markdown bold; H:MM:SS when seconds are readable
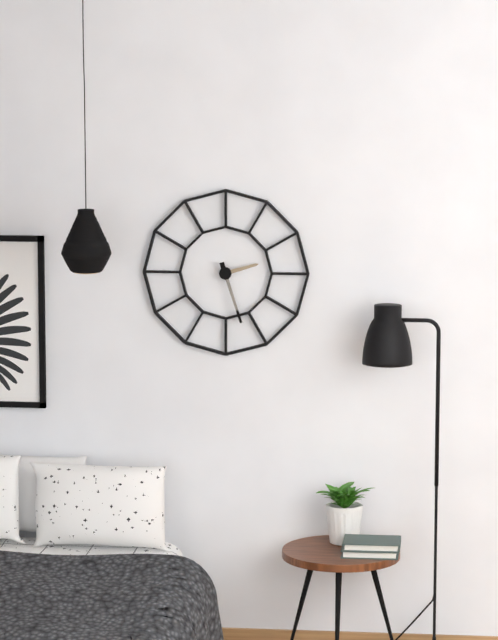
**2:27**
